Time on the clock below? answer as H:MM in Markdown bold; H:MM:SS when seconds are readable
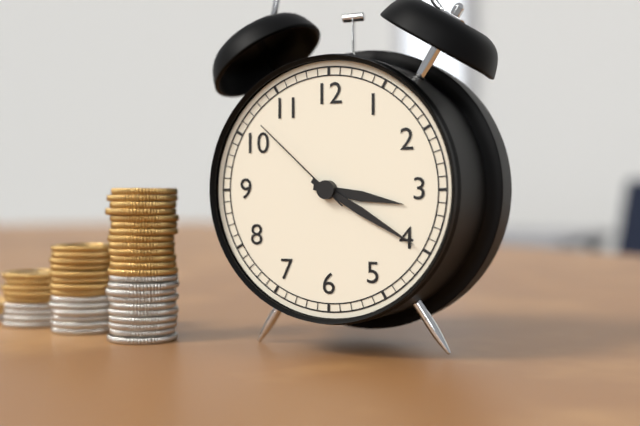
**3:20:52**
